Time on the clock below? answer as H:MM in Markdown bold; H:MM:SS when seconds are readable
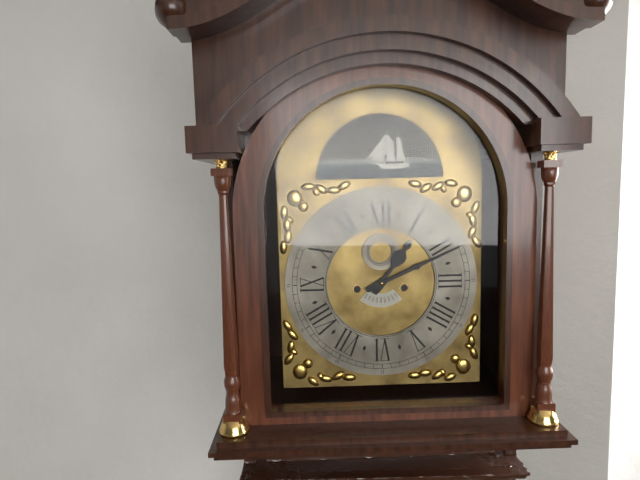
**1:11**
